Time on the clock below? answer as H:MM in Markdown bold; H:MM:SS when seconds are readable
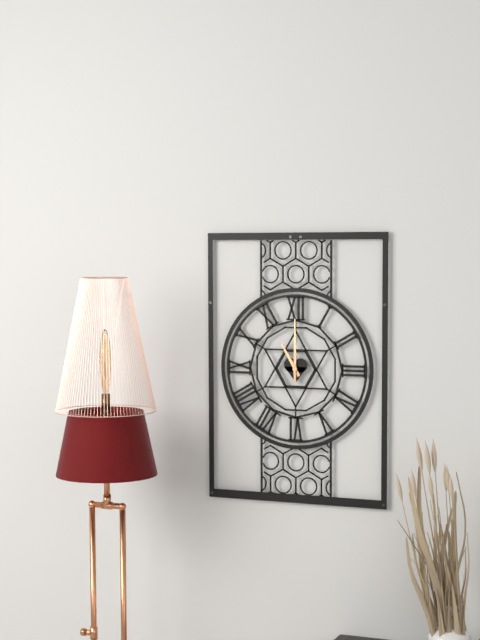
**11:00**
